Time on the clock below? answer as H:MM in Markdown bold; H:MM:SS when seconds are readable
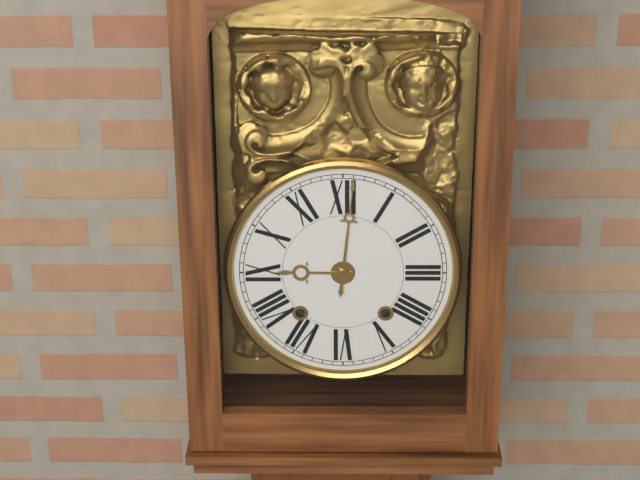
**9:01**
